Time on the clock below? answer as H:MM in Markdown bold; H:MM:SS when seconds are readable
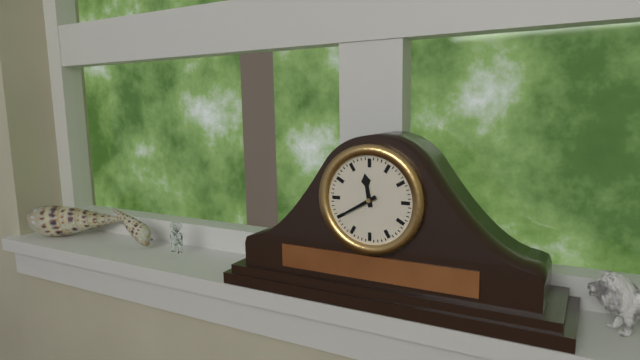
**11:40**
